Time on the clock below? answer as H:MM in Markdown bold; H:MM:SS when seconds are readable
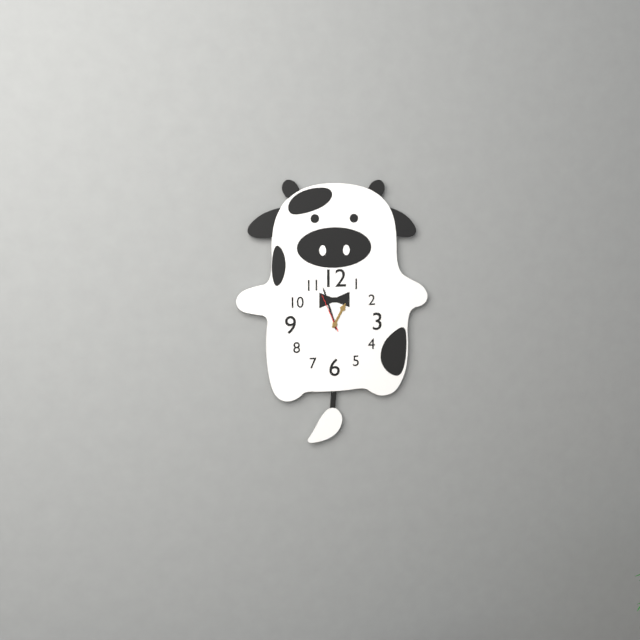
**12:57**
